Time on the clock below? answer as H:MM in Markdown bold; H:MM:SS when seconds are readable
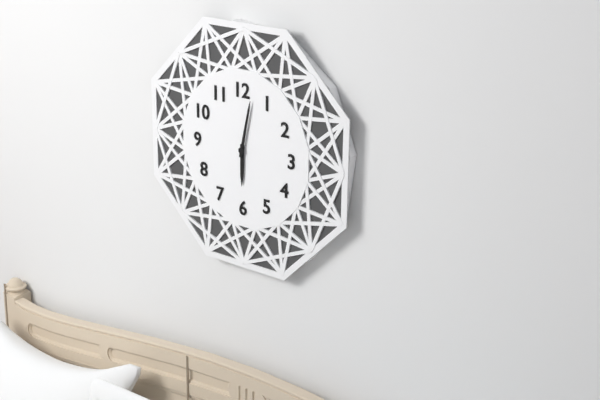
**6:02**
